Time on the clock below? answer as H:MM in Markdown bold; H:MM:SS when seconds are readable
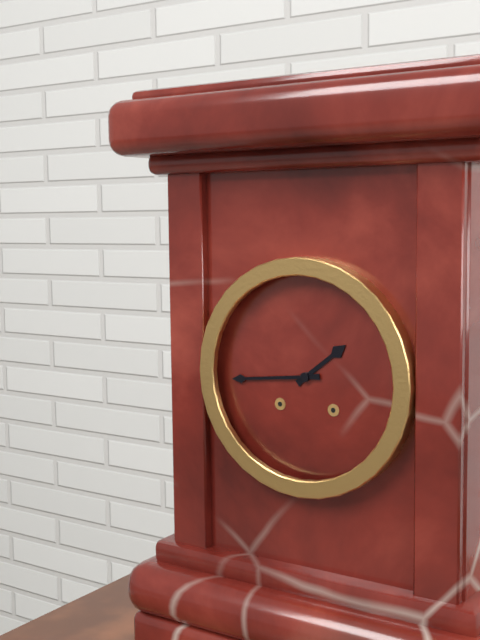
**1:44**
